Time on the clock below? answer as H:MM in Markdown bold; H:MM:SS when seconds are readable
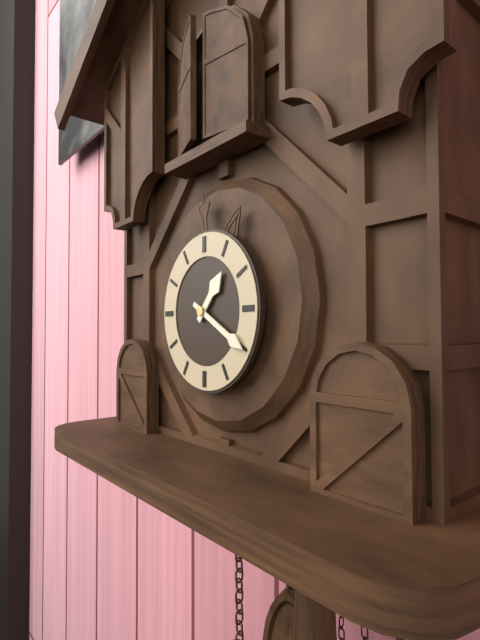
**1:20**
